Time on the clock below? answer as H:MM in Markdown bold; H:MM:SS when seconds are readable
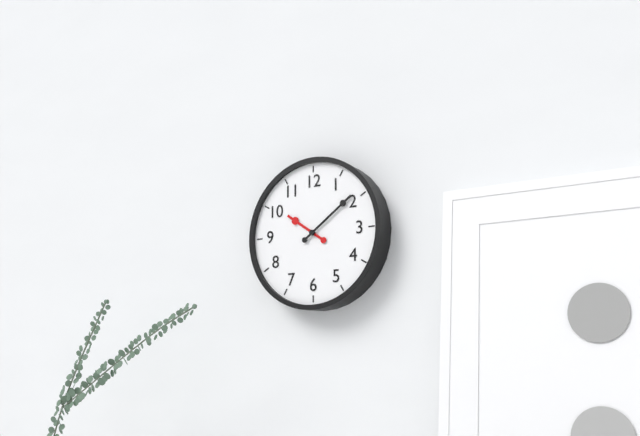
**10:09**
